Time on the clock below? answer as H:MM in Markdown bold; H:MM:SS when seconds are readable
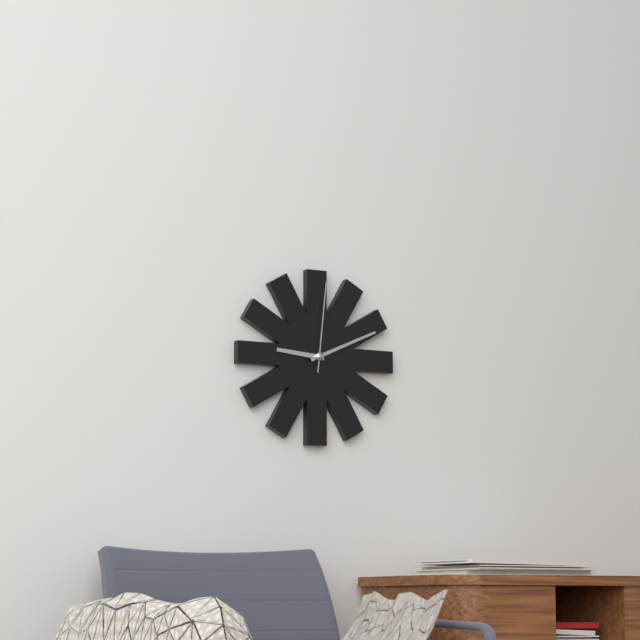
**9:11:01**
